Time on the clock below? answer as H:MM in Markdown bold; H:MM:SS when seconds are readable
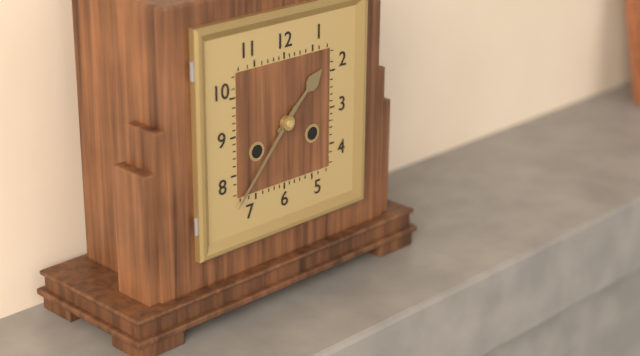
**1:37**
